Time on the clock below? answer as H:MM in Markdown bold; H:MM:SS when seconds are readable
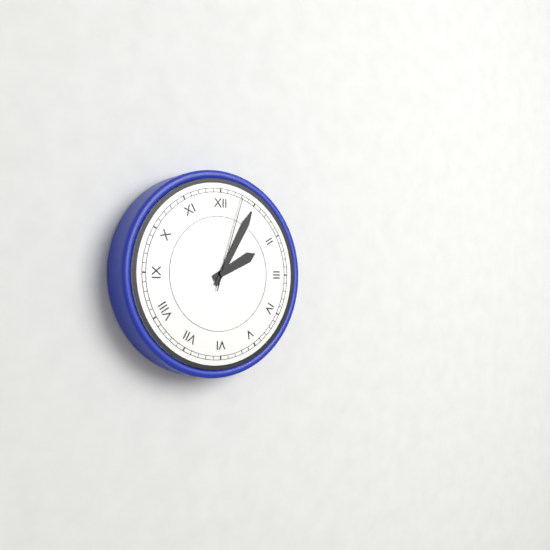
**2:05:03**
